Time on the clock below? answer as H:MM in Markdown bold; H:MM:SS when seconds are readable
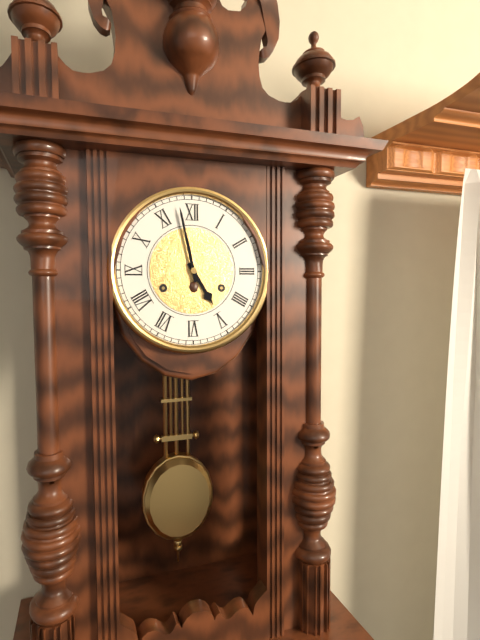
**4:58**
